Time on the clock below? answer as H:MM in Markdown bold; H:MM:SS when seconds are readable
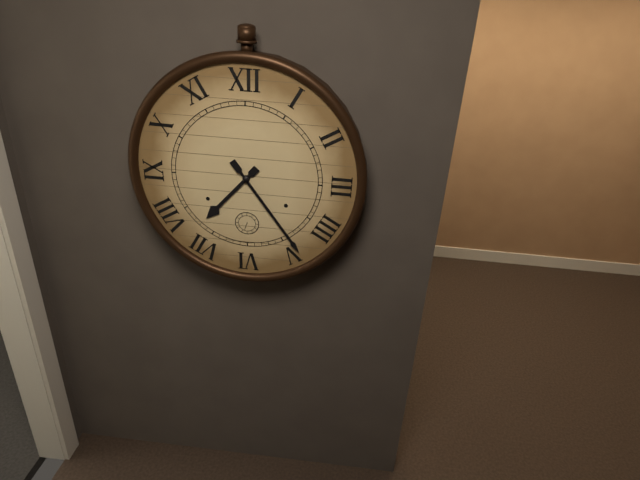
**7:24**
